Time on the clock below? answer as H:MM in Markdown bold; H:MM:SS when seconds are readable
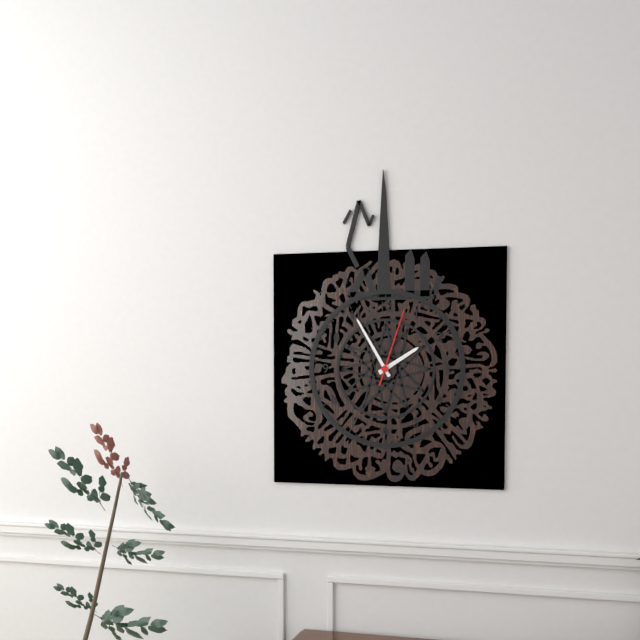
**1:55:03**
